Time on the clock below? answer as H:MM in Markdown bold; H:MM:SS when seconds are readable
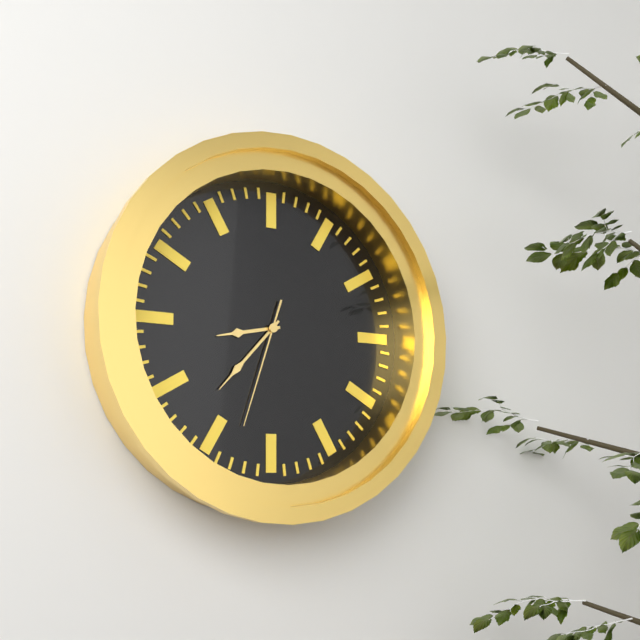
**8:37:33**
